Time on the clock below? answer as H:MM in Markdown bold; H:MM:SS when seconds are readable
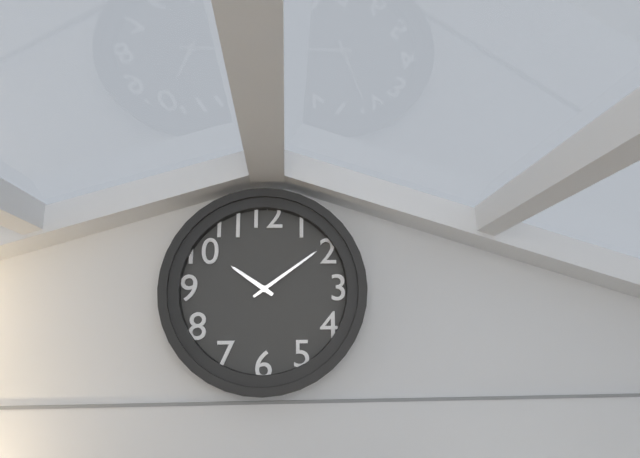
**10:09**
